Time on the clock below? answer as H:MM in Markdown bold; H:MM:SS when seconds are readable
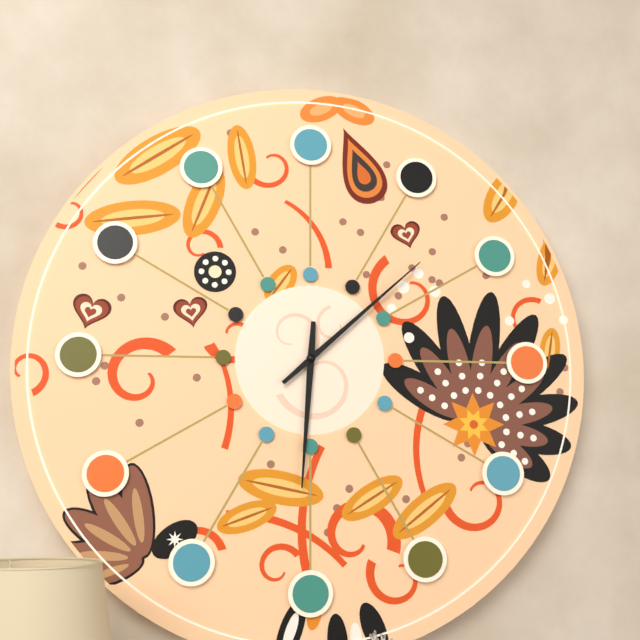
**6:08**
